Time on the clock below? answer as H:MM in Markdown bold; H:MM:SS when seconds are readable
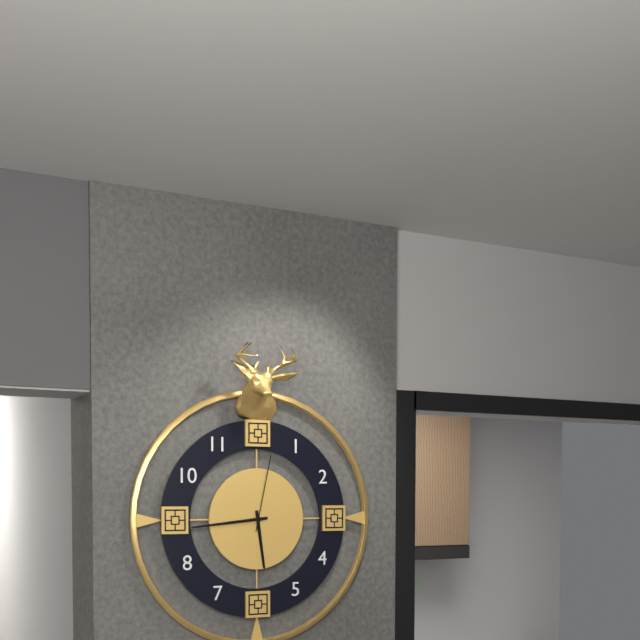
**5:44:02**
